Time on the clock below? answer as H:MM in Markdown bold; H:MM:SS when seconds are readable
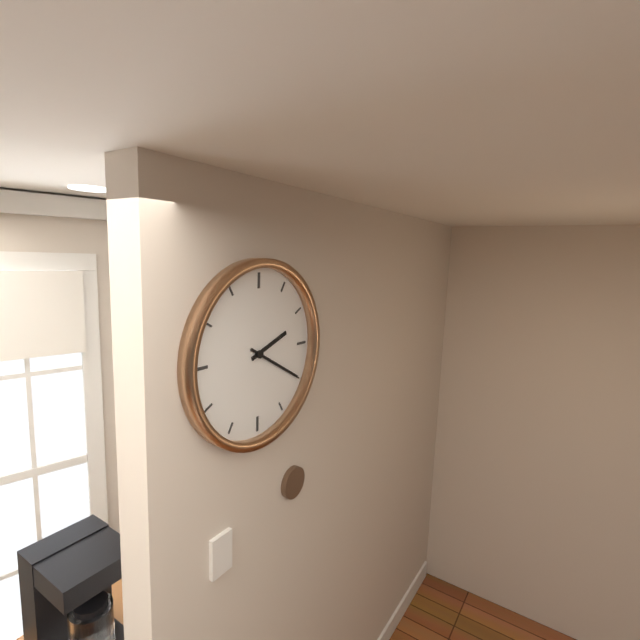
**2:20**
